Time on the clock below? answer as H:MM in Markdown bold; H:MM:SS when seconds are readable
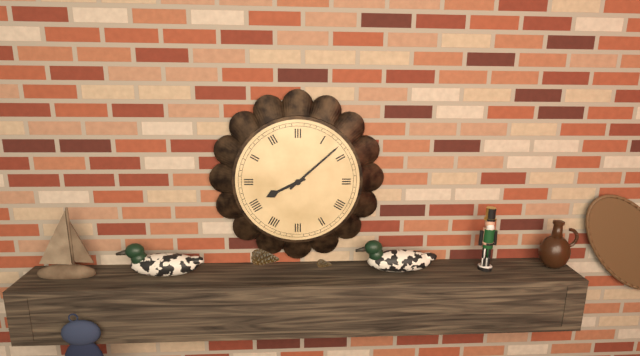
**8:08**
